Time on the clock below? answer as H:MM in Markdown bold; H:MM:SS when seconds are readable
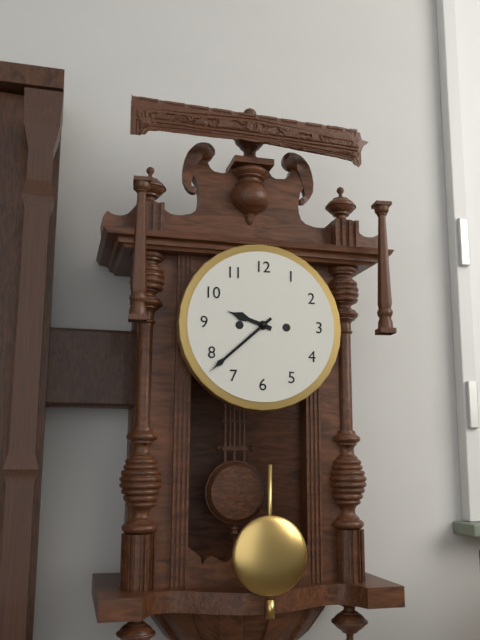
**9:38**
